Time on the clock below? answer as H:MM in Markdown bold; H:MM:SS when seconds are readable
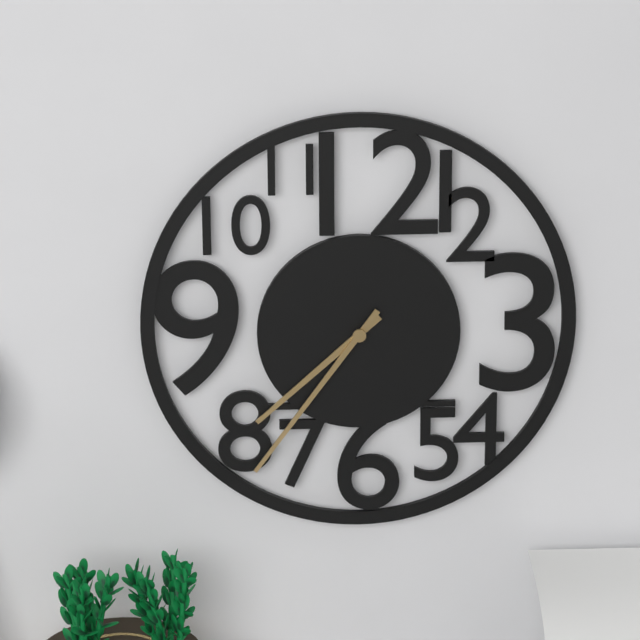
**7:36**
